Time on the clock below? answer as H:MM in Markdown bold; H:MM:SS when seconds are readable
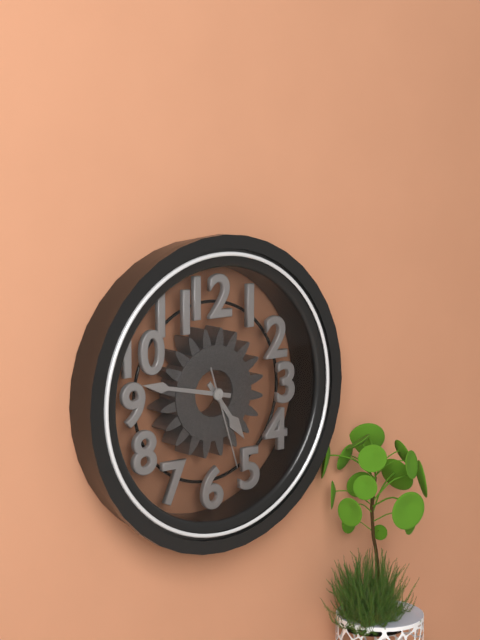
**4:47:27**
